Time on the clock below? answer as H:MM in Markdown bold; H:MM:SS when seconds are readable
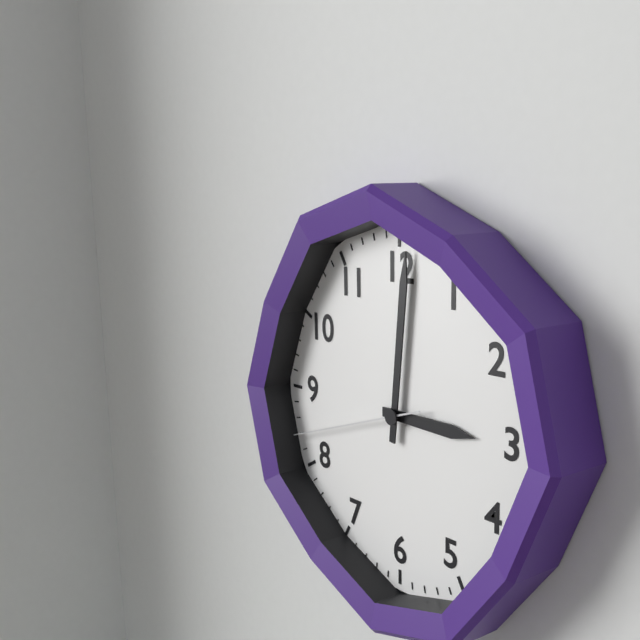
**3:01:42**
